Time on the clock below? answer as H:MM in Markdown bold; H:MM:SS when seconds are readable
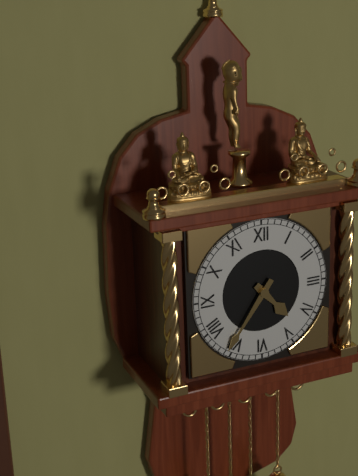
**4:36**
